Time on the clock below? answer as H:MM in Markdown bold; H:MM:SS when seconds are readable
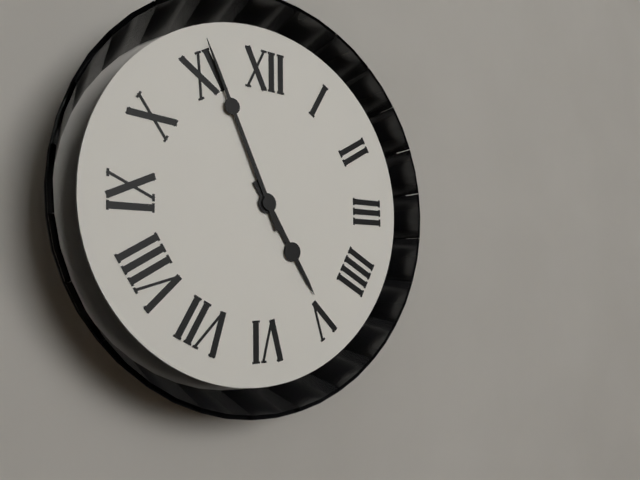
**4:56**
